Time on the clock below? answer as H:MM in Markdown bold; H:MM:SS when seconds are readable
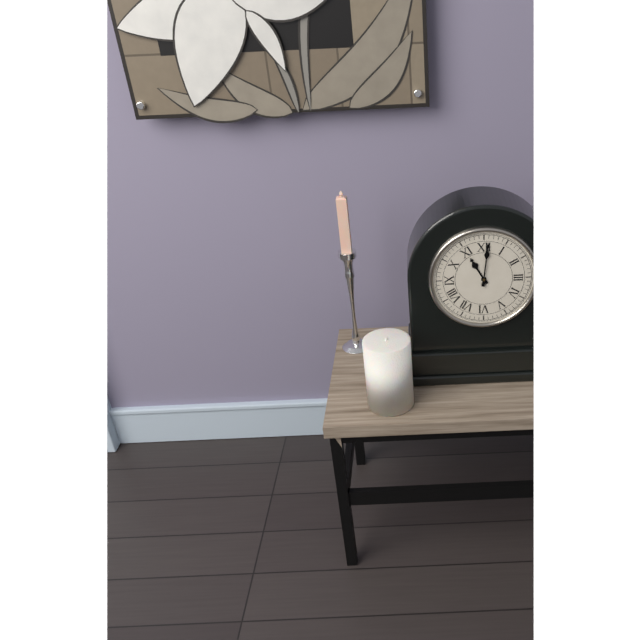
**11:01**
